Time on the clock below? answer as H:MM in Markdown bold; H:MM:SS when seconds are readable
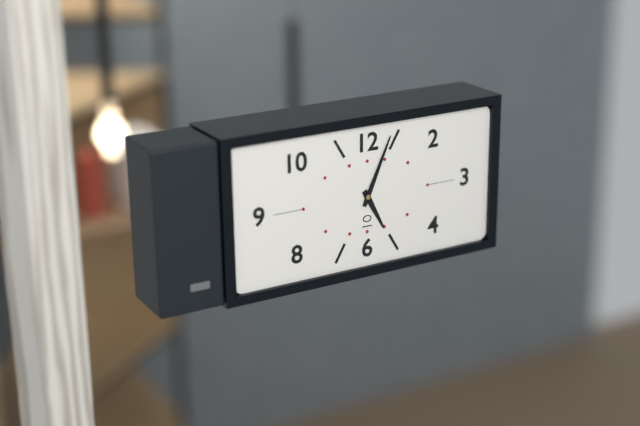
**5:04**
